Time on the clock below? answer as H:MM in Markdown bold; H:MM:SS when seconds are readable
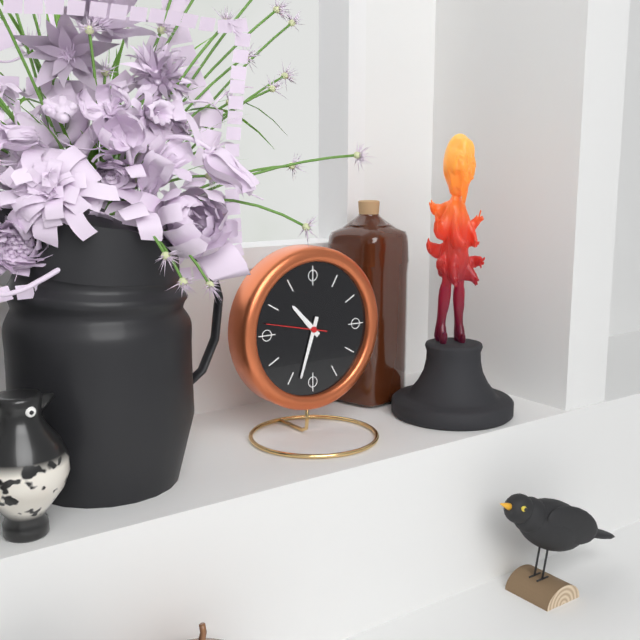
**10:33:47**
